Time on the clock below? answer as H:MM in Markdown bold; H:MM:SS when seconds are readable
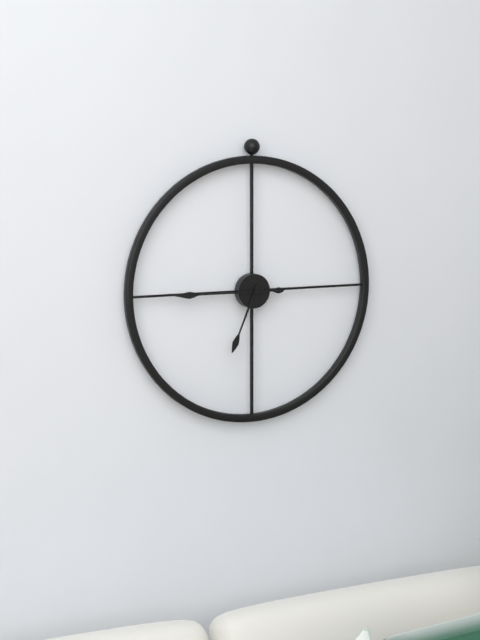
**6:45**
